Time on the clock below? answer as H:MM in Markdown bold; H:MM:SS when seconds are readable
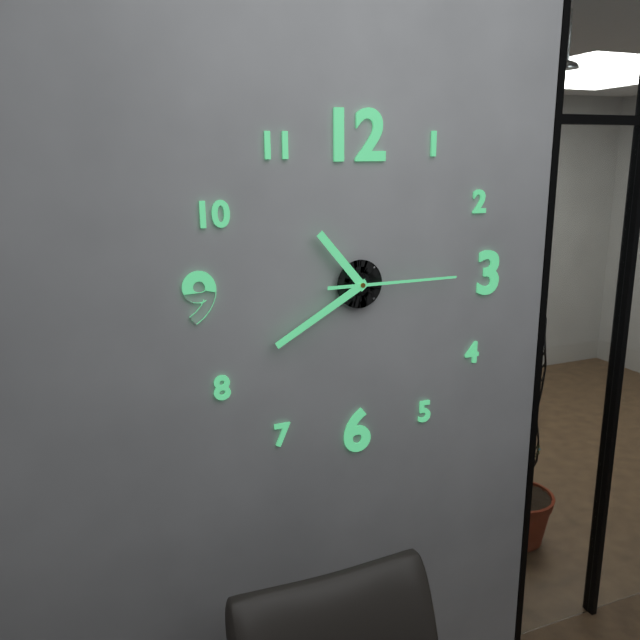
**10:40:15**
